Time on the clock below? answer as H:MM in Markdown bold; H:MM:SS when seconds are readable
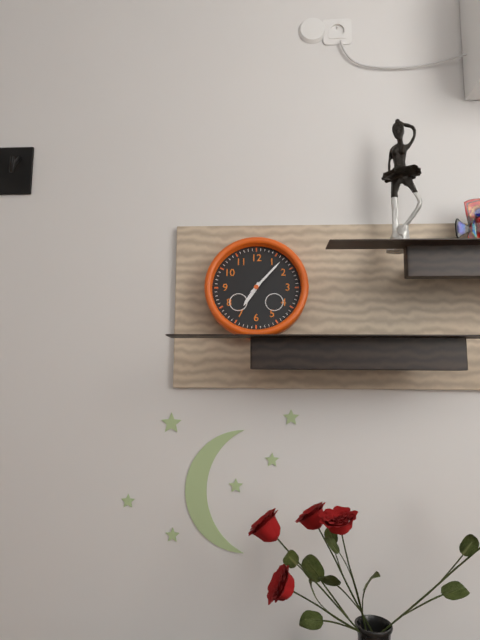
**7:07**
